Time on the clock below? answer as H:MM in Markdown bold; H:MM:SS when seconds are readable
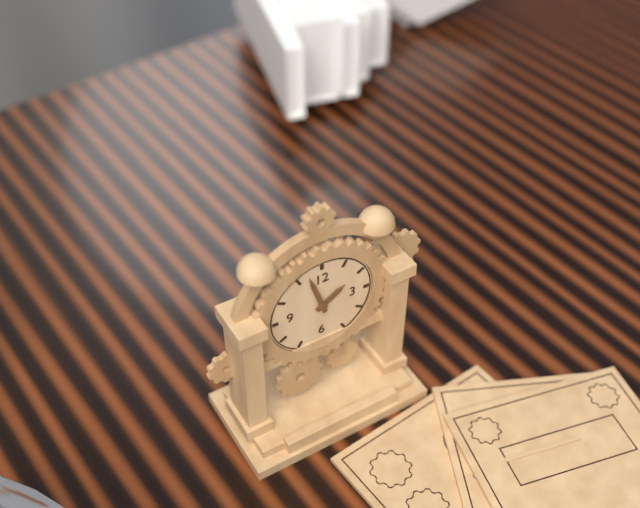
**1:57**
